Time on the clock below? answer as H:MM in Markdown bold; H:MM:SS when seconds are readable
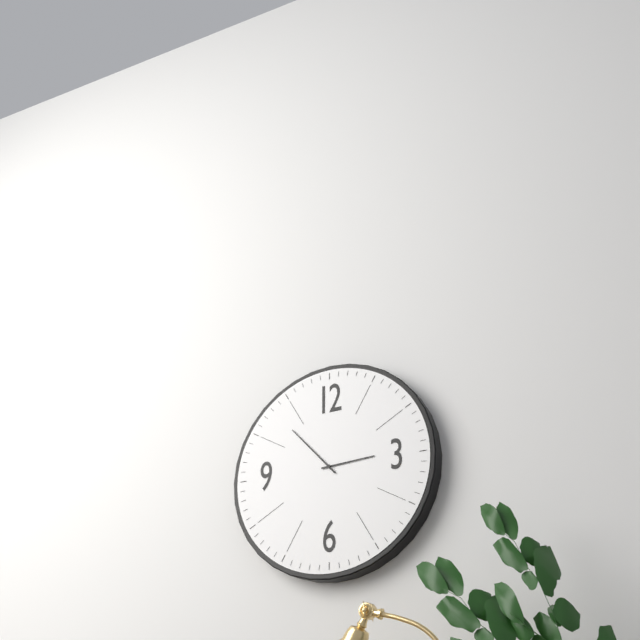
**2:53**
